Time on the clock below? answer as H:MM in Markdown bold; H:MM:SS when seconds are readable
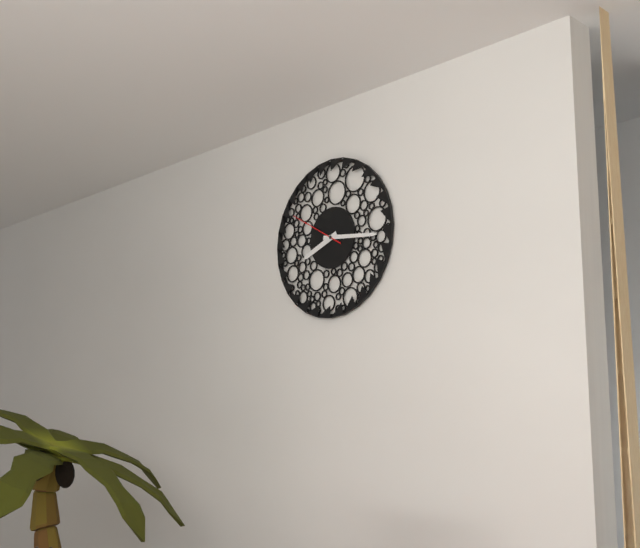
**8:16:50**
